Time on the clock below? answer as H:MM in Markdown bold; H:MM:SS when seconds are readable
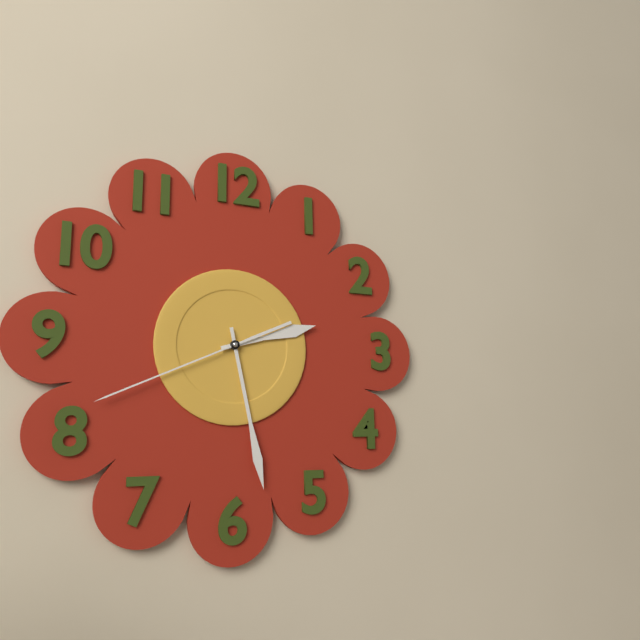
**2:28:41**
